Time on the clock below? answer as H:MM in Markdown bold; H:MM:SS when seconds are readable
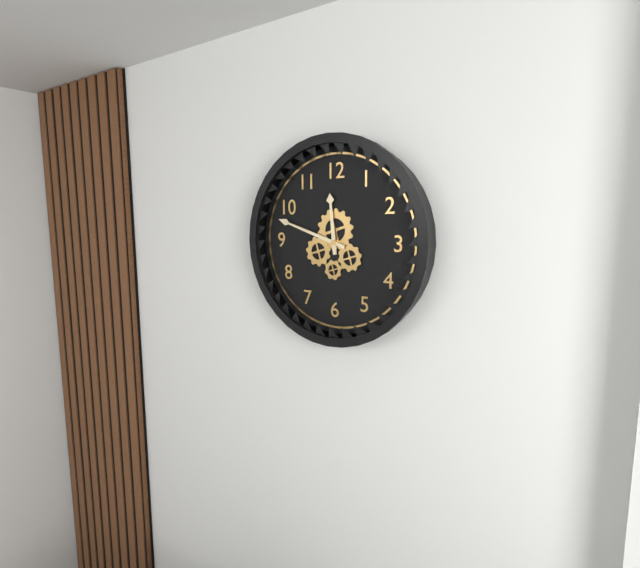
**11:48**
